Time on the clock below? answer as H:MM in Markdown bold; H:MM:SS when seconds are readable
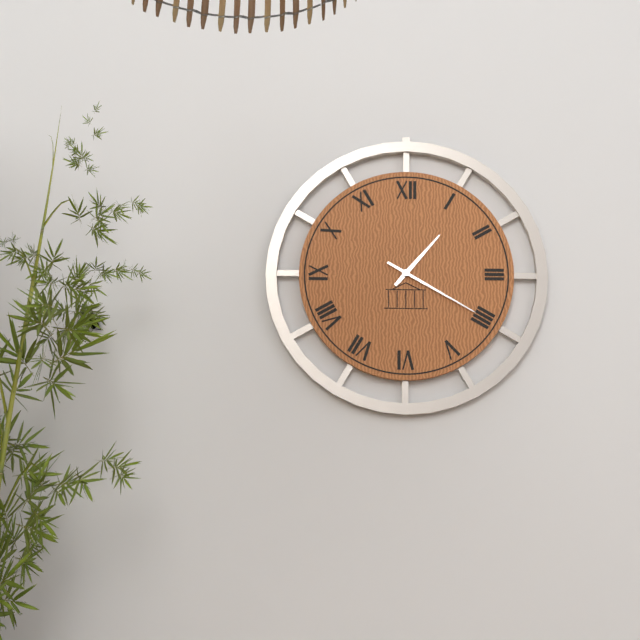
**1:20**
